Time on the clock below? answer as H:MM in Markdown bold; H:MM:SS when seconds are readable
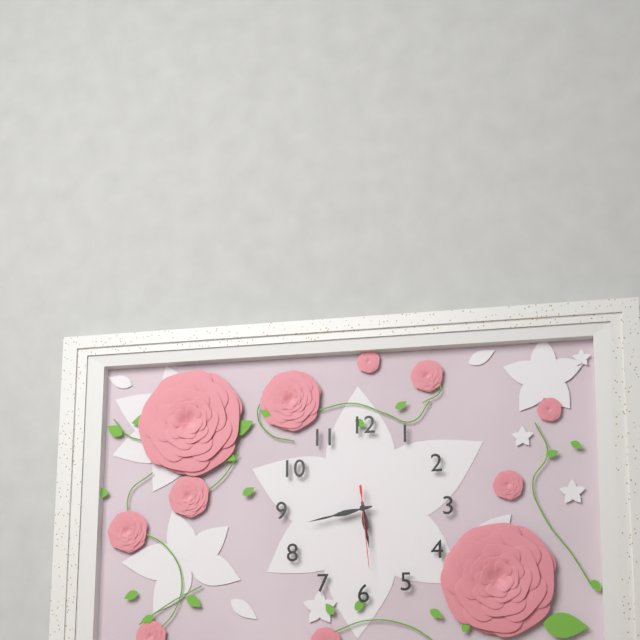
**5:43:29**
